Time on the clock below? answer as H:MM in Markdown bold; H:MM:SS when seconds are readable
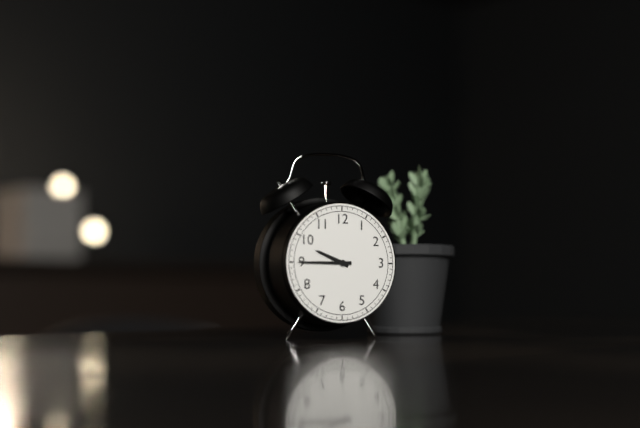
**9:45**
